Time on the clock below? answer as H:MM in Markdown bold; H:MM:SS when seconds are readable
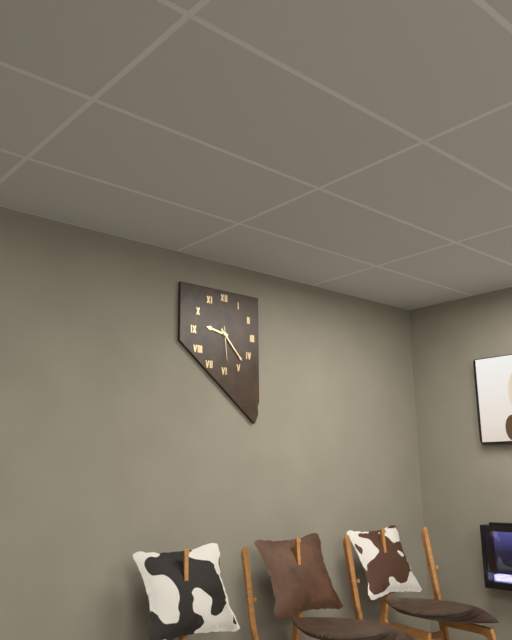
**9:23**
